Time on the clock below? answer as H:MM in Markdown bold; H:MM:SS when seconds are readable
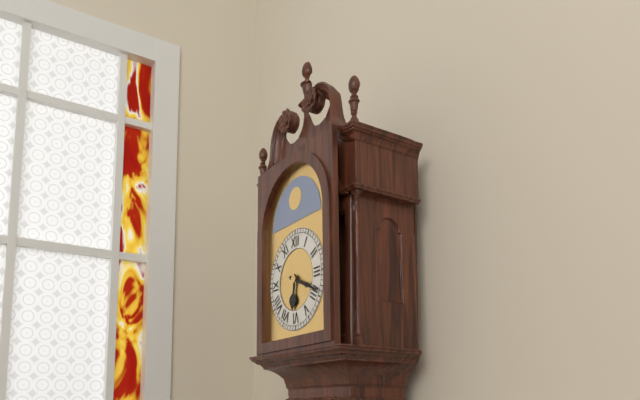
**6:19**
